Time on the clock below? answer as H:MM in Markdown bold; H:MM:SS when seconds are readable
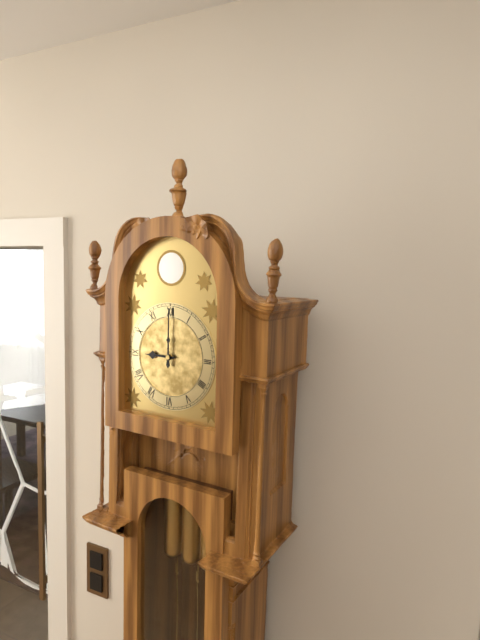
**9:00**
